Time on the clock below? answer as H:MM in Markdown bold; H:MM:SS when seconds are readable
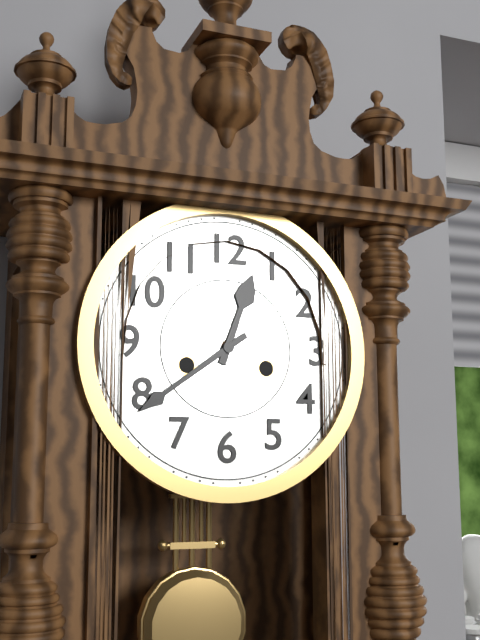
**12:39**
